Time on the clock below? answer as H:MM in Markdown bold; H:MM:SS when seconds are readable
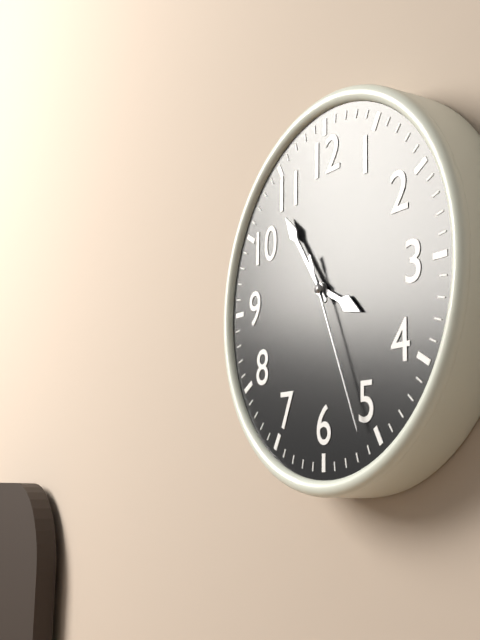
**3:54:26**
